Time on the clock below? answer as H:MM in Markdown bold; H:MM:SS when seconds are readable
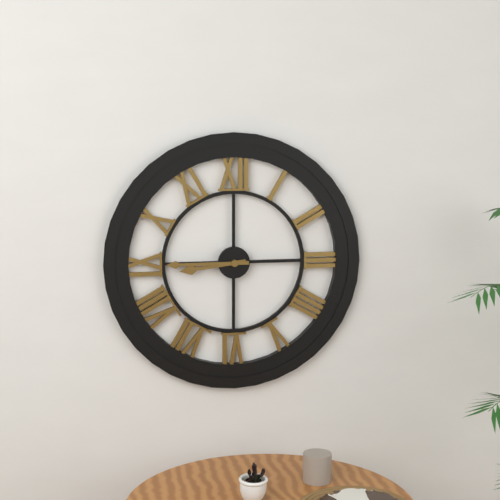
**8:45**
